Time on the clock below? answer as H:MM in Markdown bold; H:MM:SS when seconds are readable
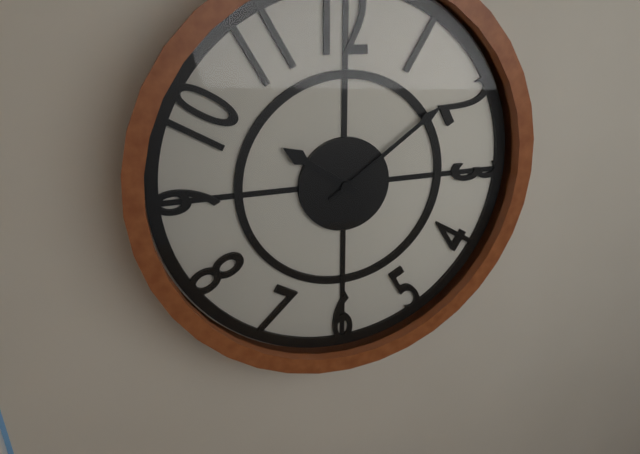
**10:09**
